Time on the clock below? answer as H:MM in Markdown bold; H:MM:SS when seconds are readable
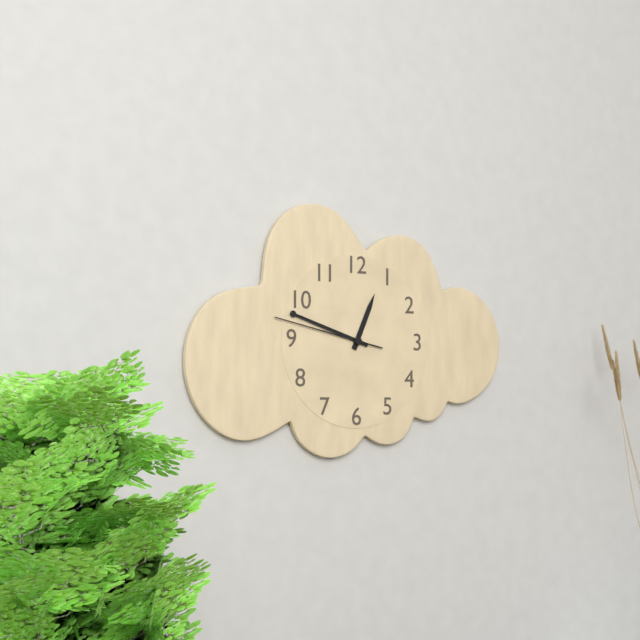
**12:48:47**
